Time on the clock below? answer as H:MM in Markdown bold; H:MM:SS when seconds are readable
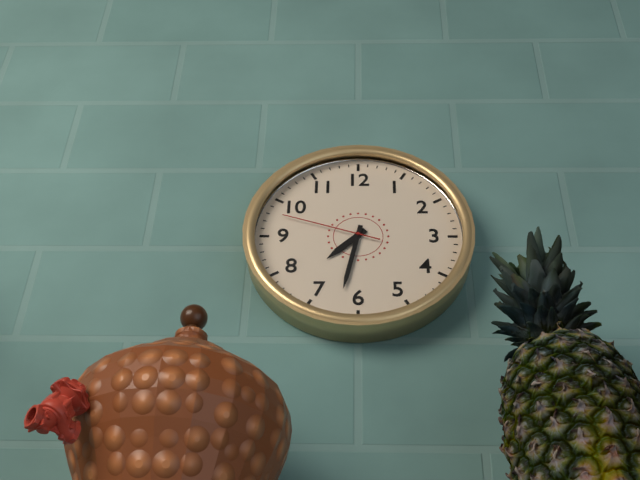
**7:32:48**
